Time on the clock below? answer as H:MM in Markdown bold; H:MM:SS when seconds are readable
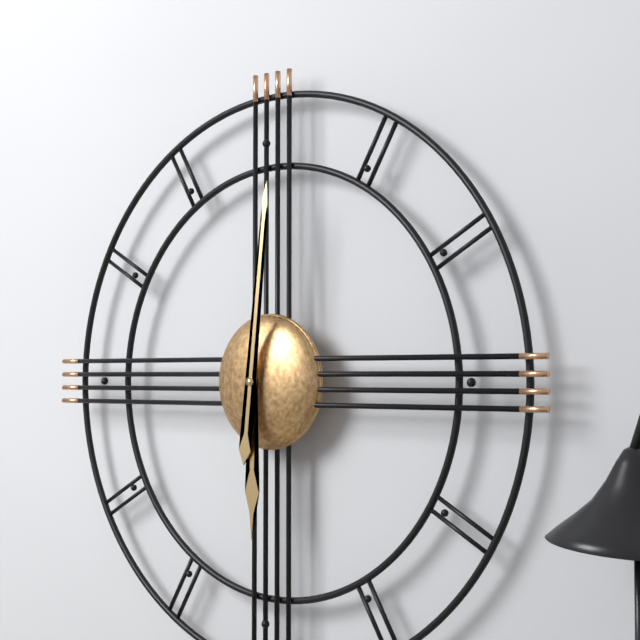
**6:01**
